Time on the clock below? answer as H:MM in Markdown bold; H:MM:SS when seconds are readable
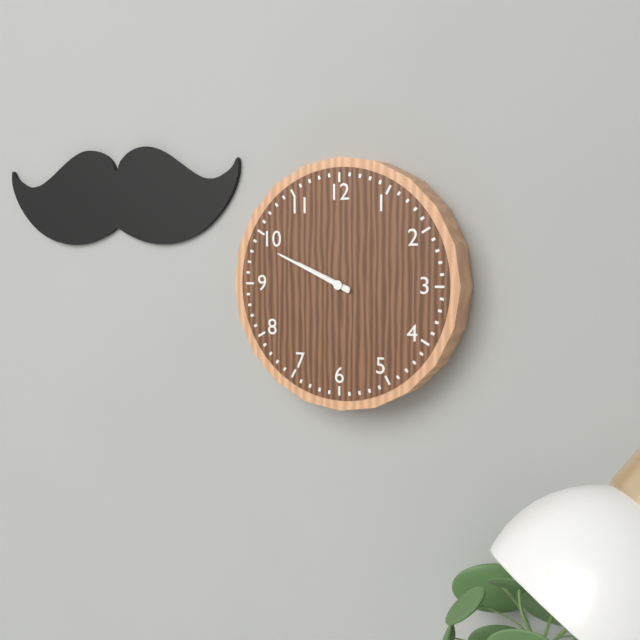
**9:49**
